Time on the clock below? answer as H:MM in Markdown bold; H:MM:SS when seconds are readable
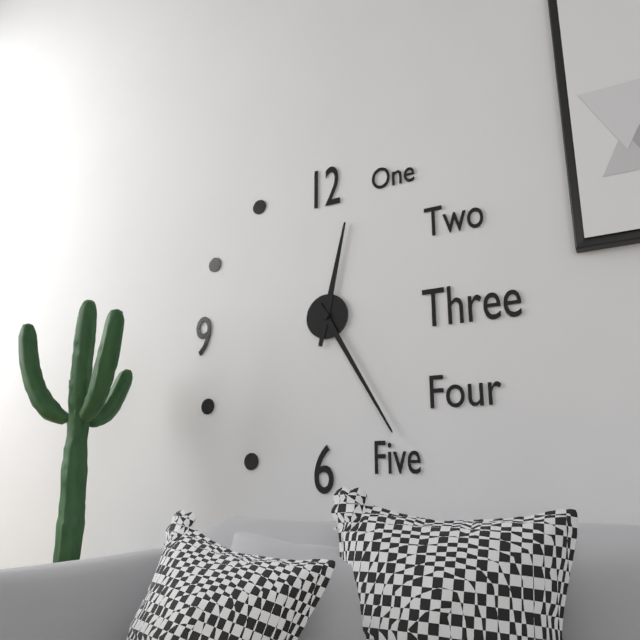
**12:25**
